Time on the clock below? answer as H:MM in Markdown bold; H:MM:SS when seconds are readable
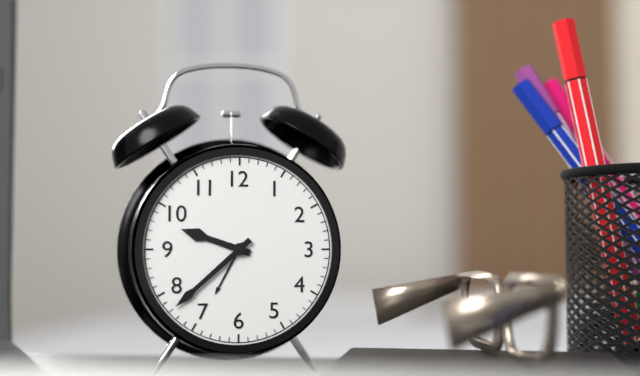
**9:38**
